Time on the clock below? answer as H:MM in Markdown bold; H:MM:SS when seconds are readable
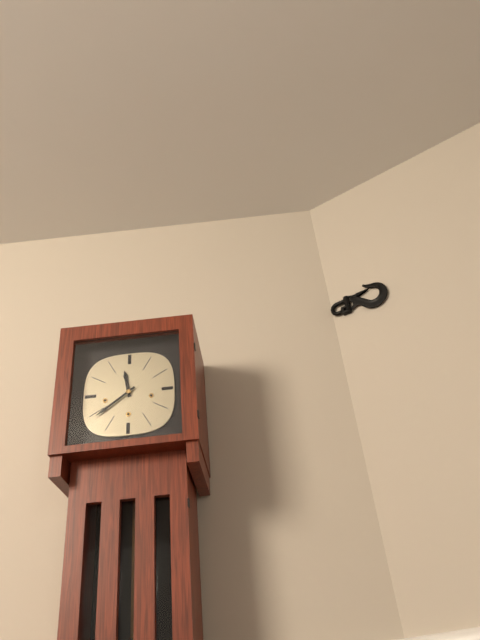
**11:39**
